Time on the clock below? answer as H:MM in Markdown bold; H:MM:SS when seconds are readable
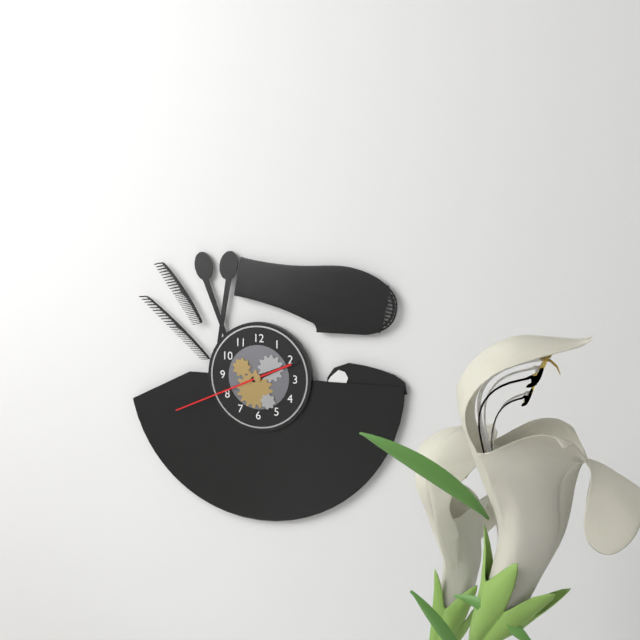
**2:11:41**
